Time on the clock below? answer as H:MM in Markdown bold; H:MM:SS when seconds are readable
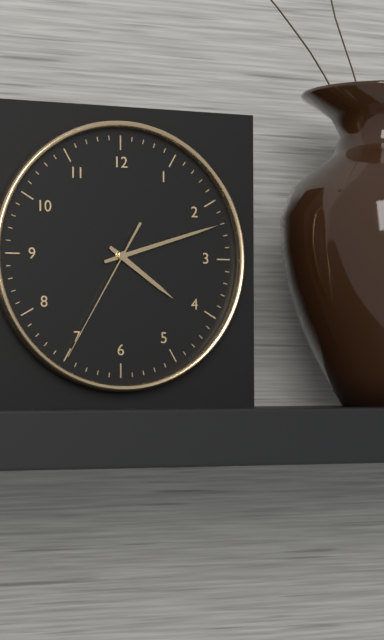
**4:12:35**
